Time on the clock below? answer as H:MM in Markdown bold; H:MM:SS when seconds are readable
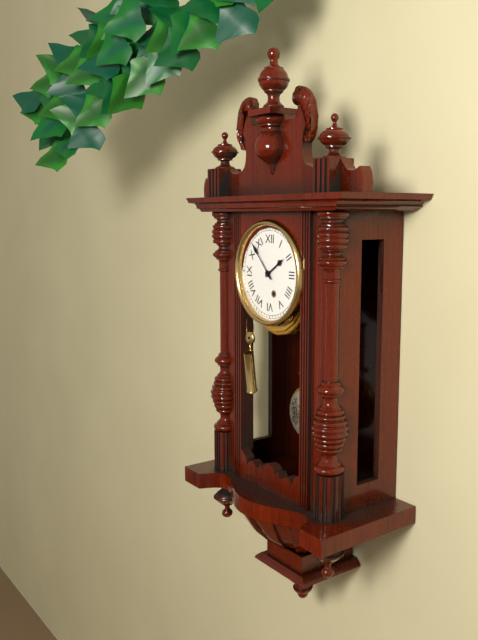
**1:53**
